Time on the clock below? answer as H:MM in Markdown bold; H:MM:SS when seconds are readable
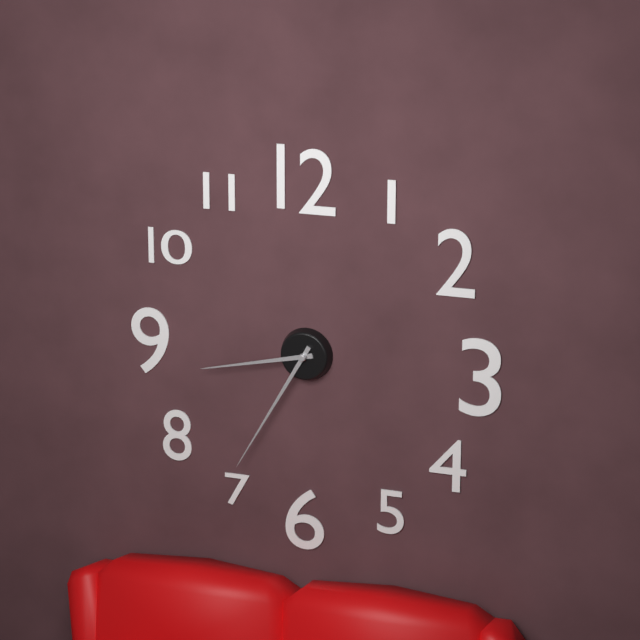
**8:35**
